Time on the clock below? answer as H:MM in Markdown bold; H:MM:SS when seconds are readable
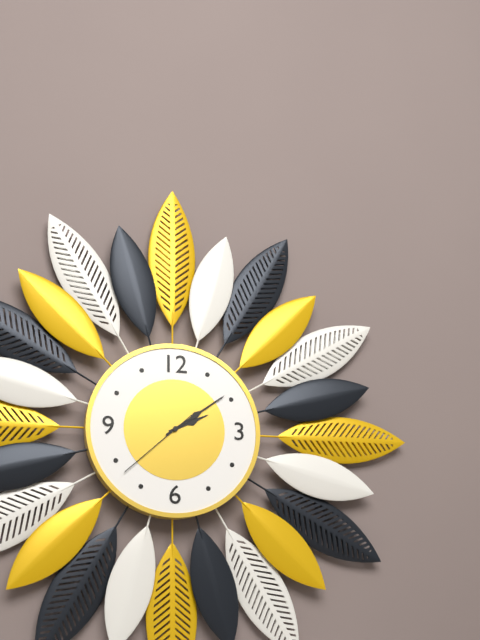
**2:09:38**
